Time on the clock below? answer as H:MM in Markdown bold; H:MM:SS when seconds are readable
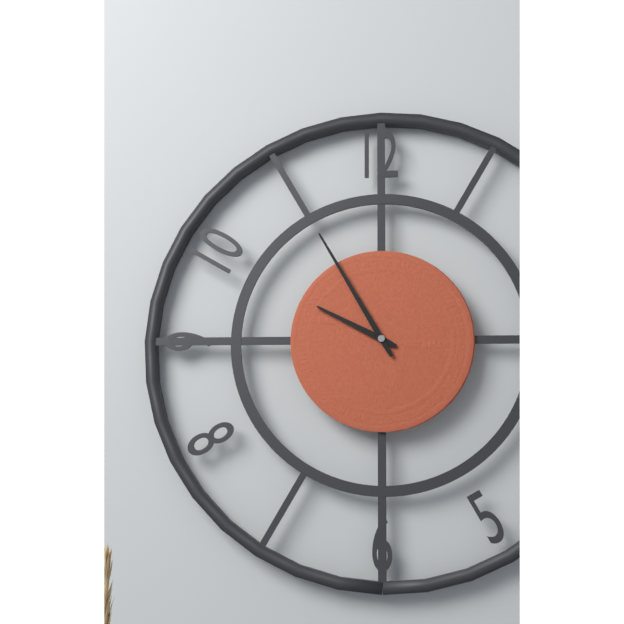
**9:55**
